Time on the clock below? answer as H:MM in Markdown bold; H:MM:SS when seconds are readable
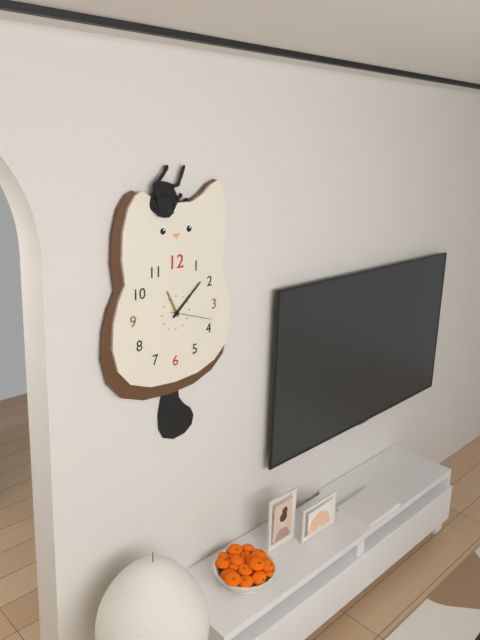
**11:08:18**
